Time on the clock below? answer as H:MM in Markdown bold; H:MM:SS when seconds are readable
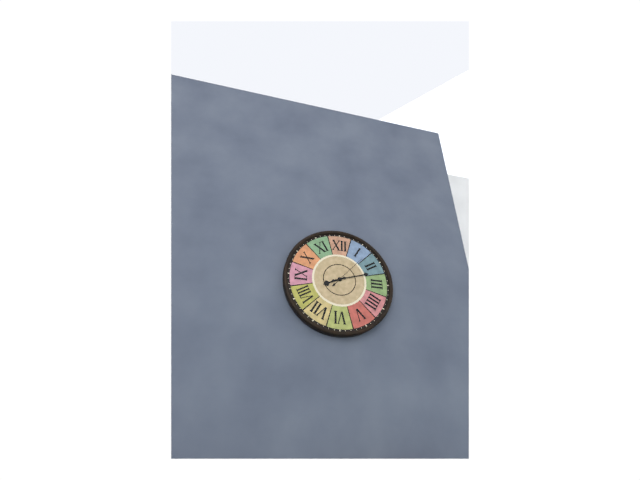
**8:12**
